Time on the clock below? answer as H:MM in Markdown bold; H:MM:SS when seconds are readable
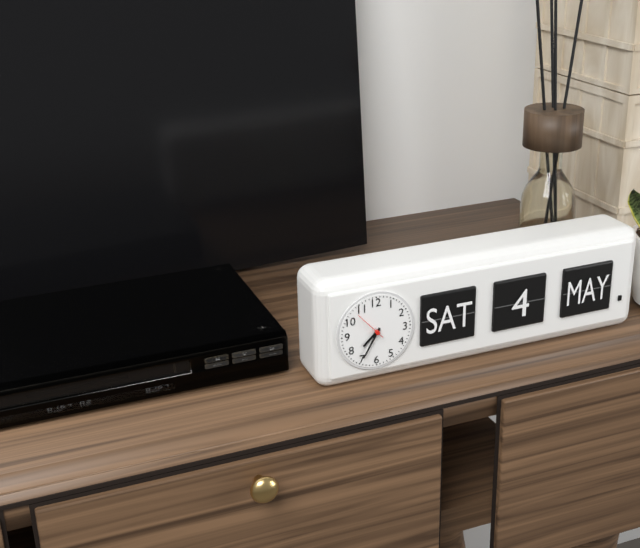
**7:35**
